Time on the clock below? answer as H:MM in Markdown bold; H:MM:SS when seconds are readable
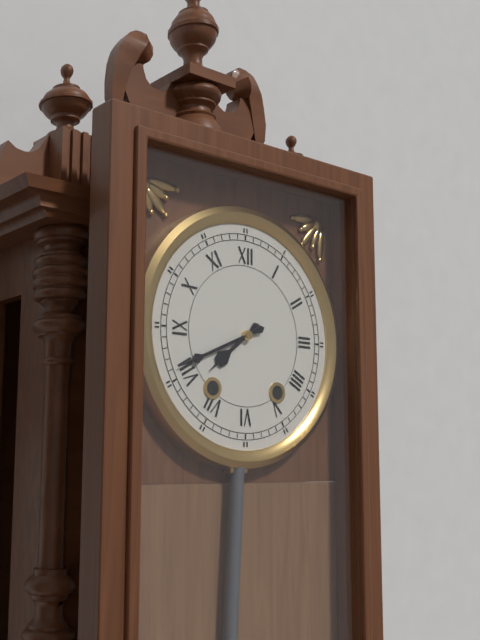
**7:41**
